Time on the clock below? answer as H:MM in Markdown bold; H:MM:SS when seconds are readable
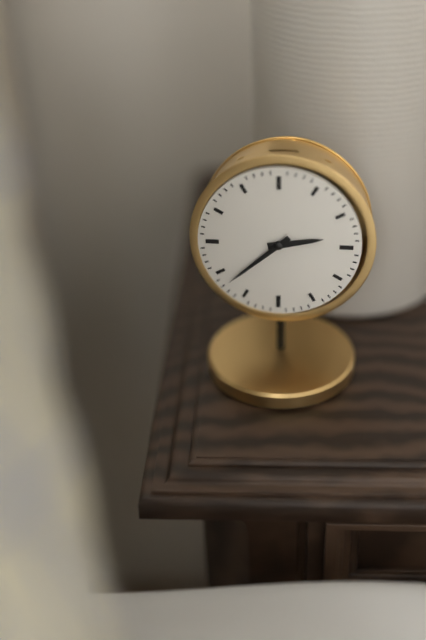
**2:38**
